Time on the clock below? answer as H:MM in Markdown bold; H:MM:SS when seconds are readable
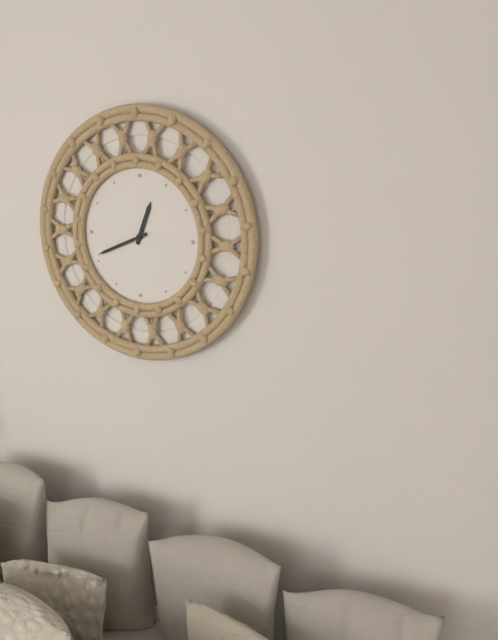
**12:41**
